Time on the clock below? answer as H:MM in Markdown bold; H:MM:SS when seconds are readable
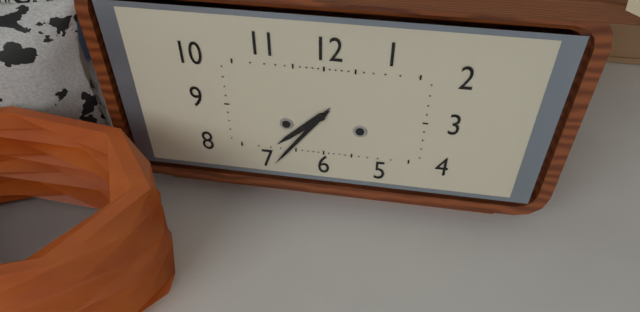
**7:36**
